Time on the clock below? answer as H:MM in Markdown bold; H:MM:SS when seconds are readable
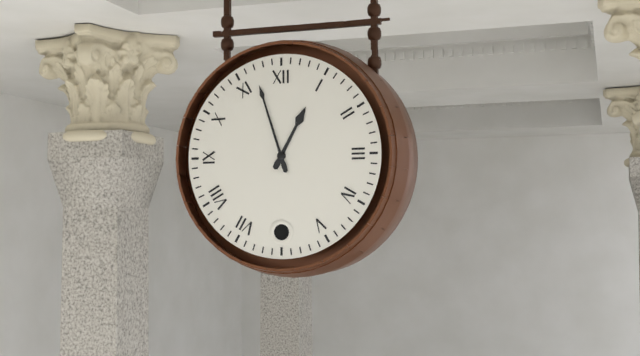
**12:57**
